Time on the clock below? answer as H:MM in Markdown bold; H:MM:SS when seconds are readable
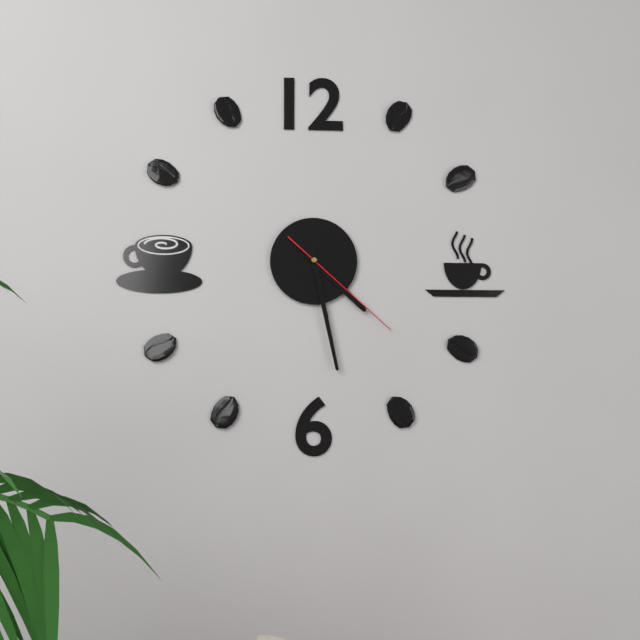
**4:28:22**
